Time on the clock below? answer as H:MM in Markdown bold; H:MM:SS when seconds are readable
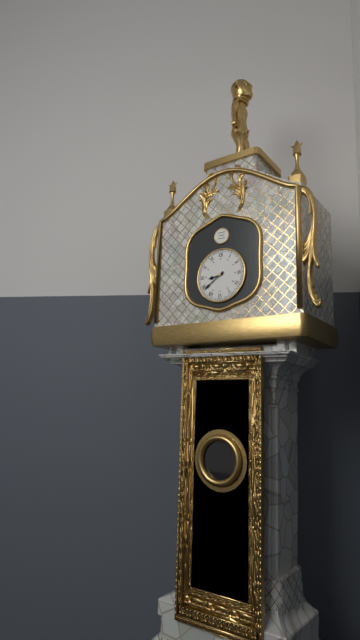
**8:39**
